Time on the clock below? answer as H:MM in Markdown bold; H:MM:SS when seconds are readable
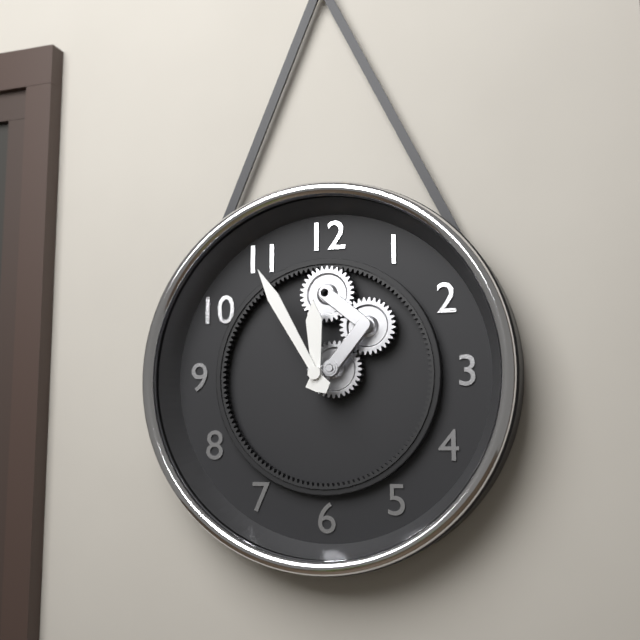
**11:55**
